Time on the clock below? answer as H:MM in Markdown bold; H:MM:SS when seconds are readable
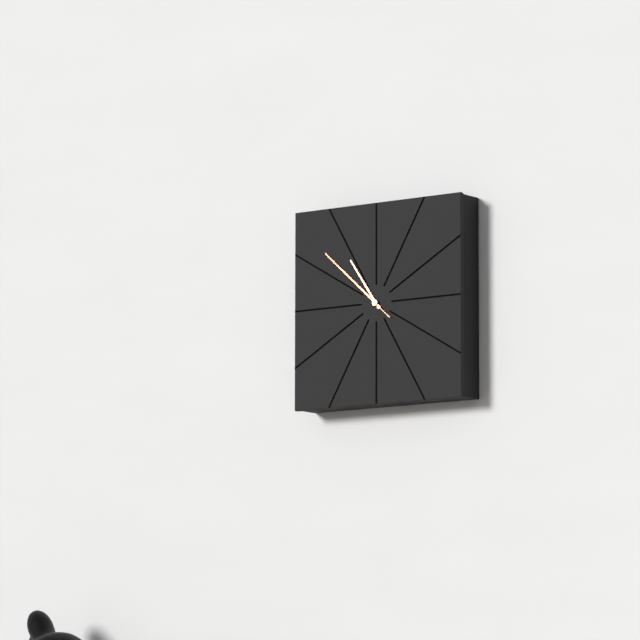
**10:52:52**
